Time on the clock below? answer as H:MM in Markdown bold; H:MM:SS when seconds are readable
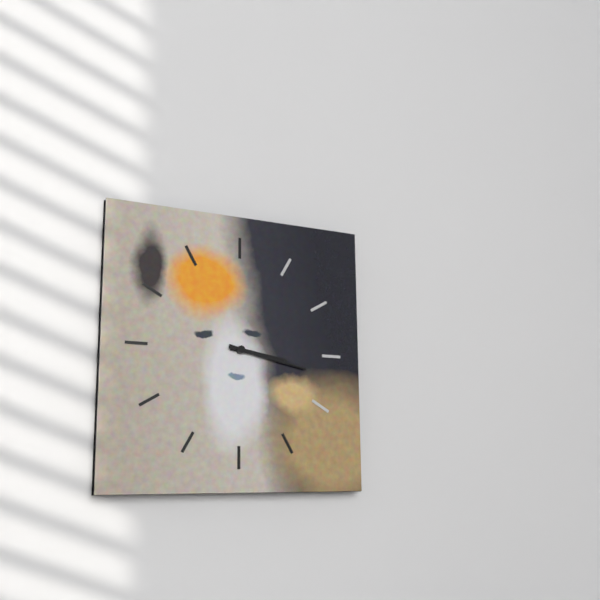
**3:17**
